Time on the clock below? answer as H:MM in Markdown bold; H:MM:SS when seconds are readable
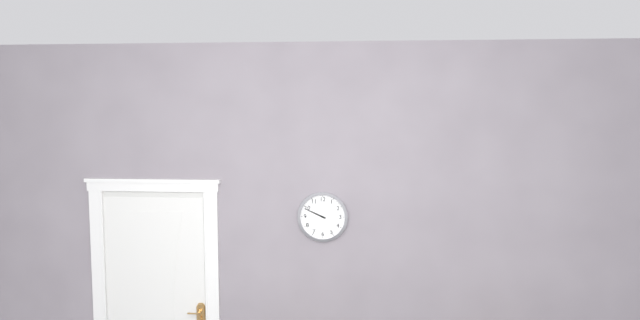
**9:49**
